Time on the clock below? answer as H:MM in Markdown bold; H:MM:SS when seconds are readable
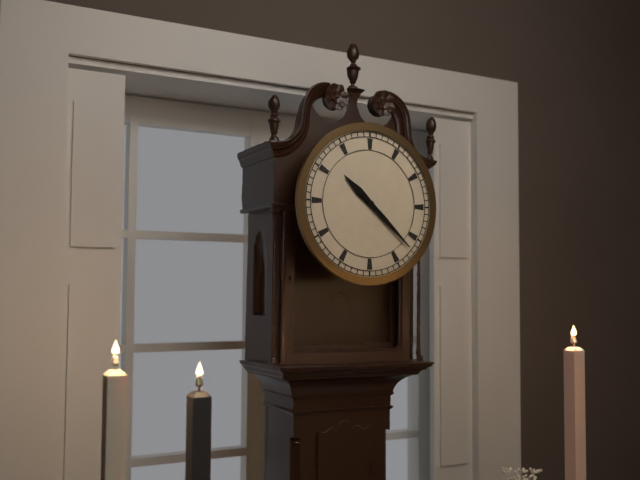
**10:22**
